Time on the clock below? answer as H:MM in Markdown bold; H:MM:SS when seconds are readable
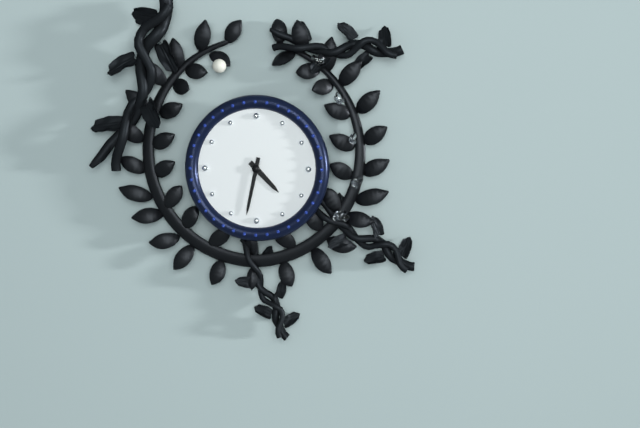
**4:32**
